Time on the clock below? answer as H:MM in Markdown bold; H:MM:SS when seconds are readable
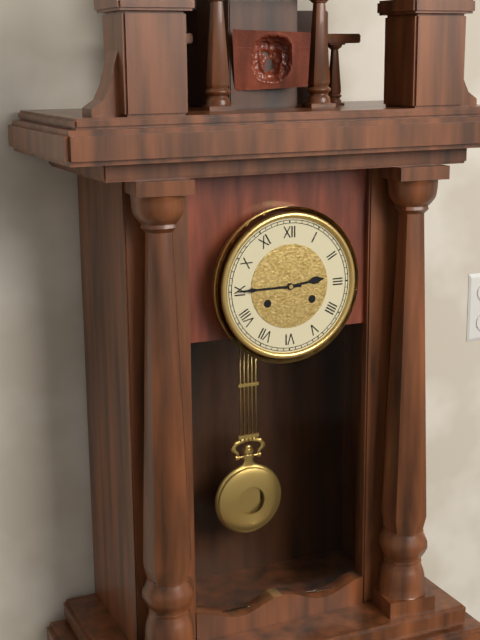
**2:45**
